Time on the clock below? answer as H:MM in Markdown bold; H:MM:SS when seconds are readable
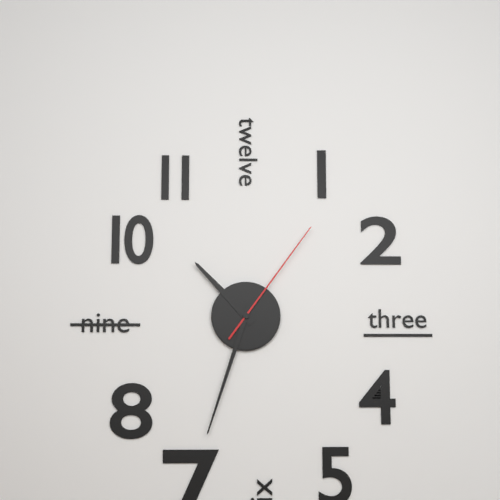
**10:33:06**
